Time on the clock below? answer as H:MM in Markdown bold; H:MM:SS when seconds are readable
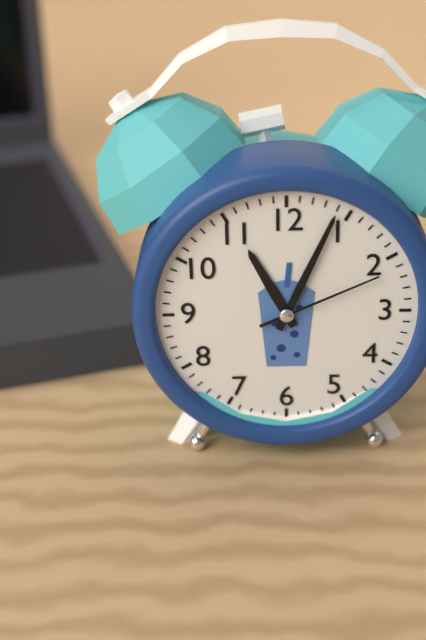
**11:04:11**
